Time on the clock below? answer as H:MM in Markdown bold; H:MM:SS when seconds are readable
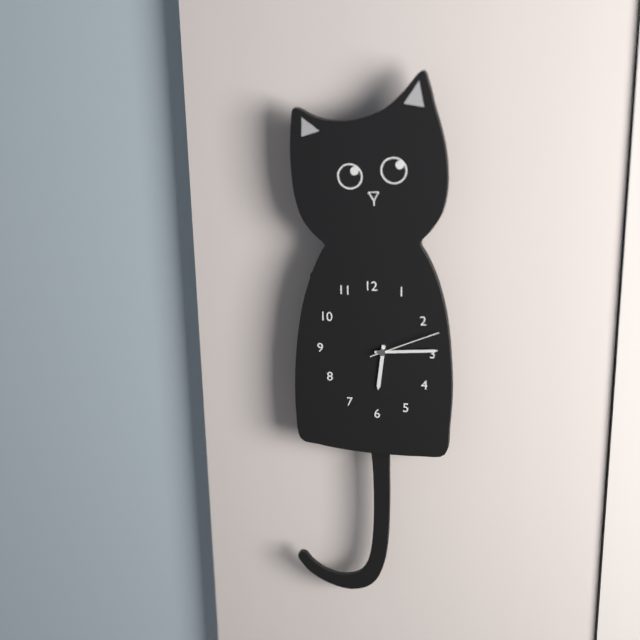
**6:14:11**
